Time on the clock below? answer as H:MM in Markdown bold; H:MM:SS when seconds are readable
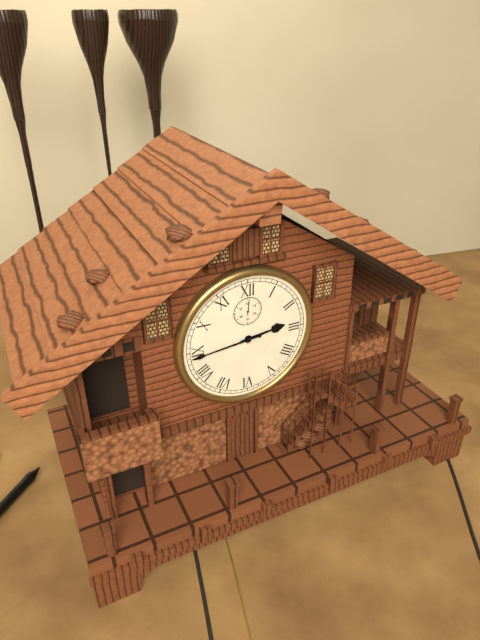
**2:44**
